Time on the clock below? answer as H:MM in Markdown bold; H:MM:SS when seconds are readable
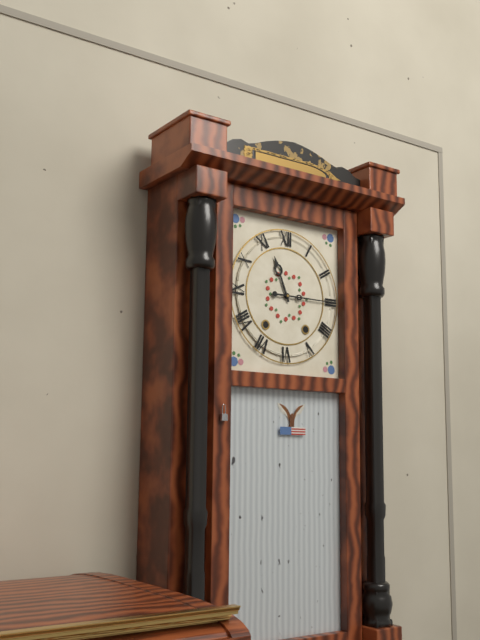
**11:15**
